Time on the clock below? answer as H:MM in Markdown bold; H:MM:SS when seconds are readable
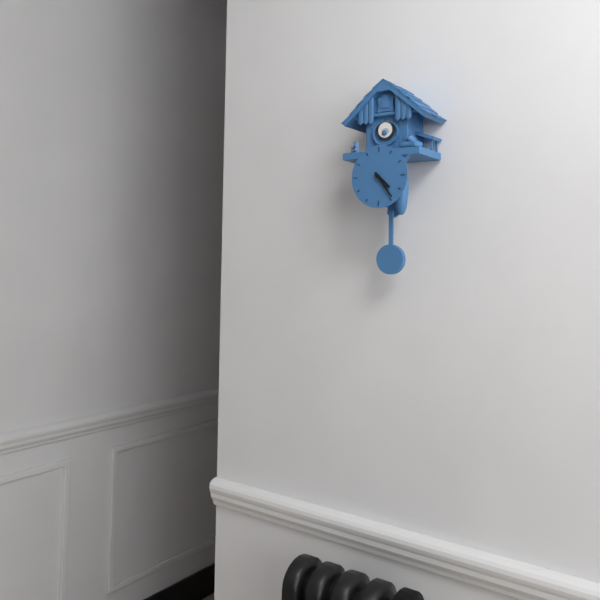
**4:24**
